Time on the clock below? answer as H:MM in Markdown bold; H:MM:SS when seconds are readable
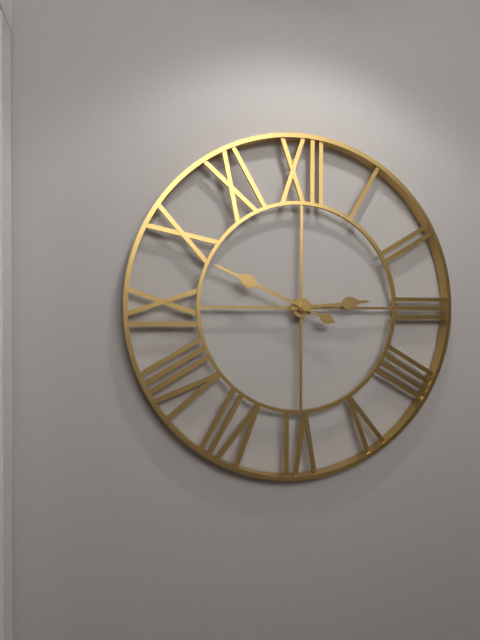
**2:49**
